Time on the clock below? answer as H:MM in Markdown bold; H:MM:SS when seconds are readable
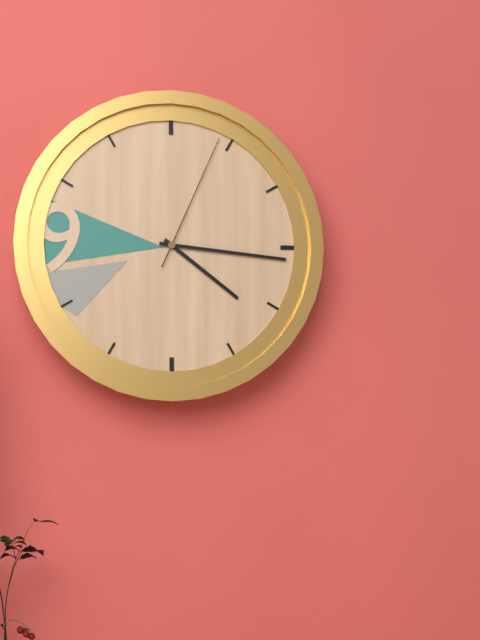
**4:16:04**
